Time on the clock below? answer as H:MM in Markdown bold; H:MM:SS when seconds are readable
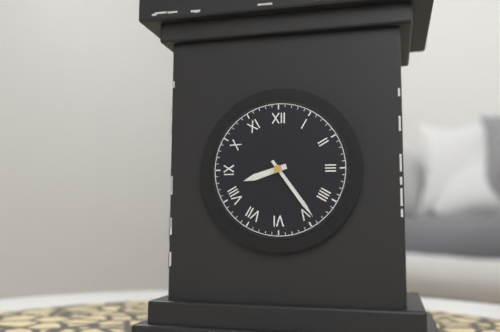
**8:24**
